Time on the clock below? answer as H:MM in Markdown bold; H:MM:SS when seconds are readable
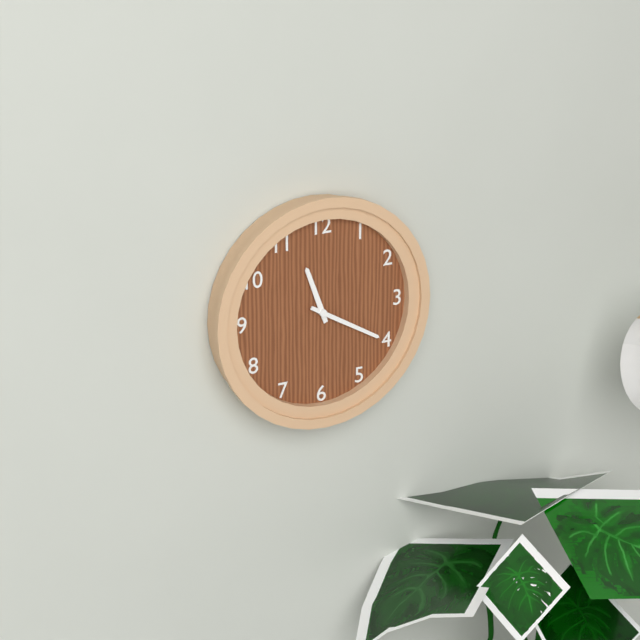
**11:20**
